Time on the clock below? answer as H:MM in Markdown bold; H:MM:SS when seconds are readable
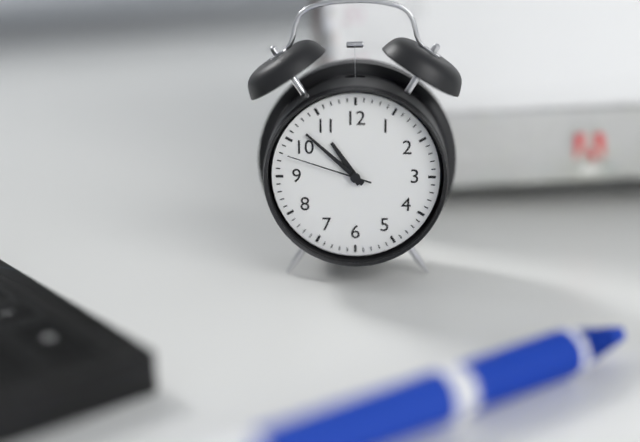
**10:52:48**
